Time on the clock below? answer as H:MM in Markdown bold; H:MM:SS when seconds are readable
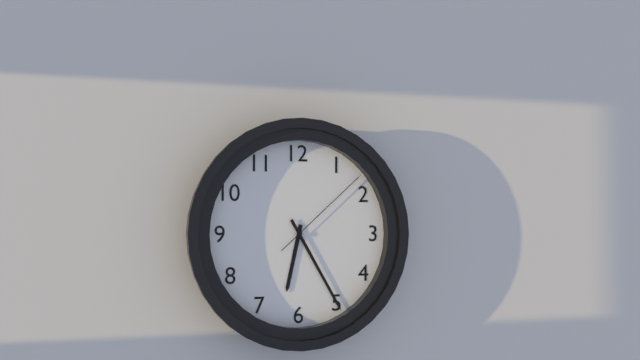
**6:25:08**
